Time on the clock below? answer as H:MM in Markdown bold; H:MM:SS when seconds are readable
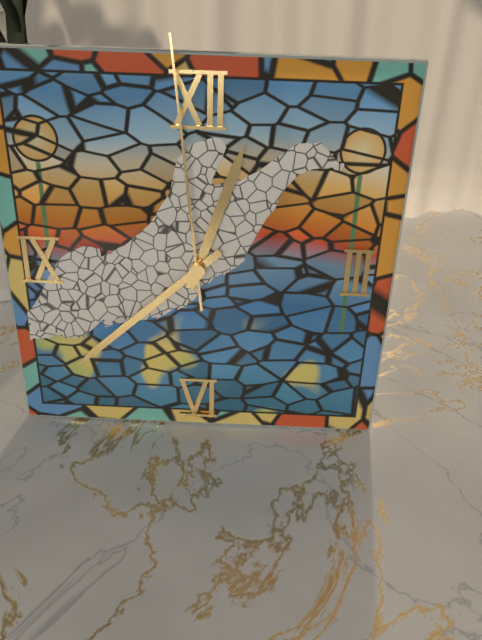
**12:38:59**
